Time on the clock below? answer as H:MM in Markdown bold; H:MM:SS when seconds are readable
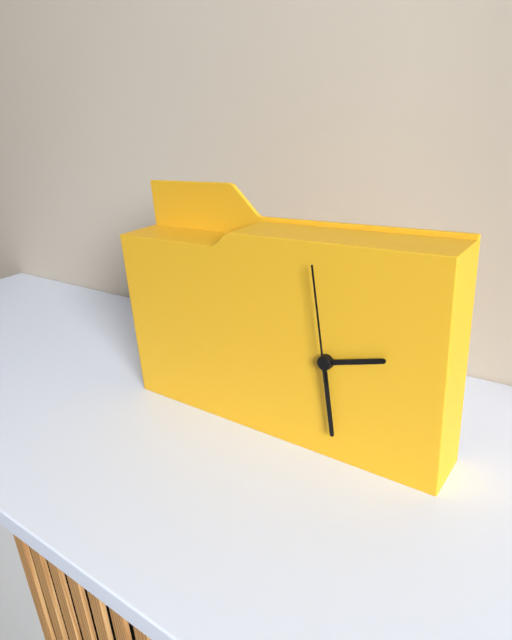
**2:29:59**
